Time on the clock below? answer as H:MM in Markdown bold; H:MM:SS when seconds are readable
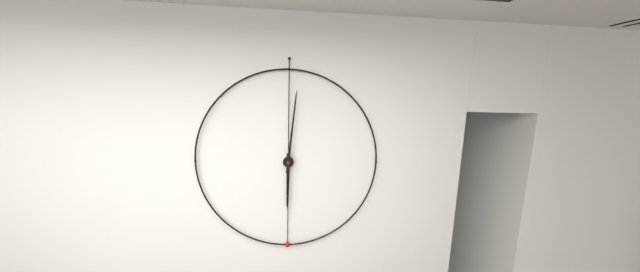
**6:01**
